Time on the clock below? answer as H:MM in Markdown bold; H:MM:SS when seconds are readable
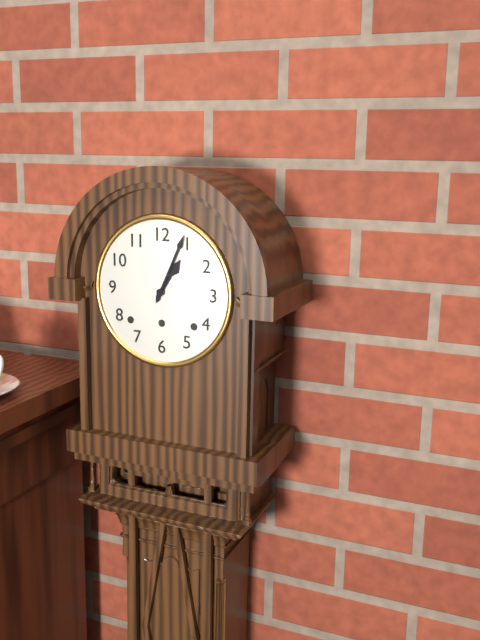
**1:04**
